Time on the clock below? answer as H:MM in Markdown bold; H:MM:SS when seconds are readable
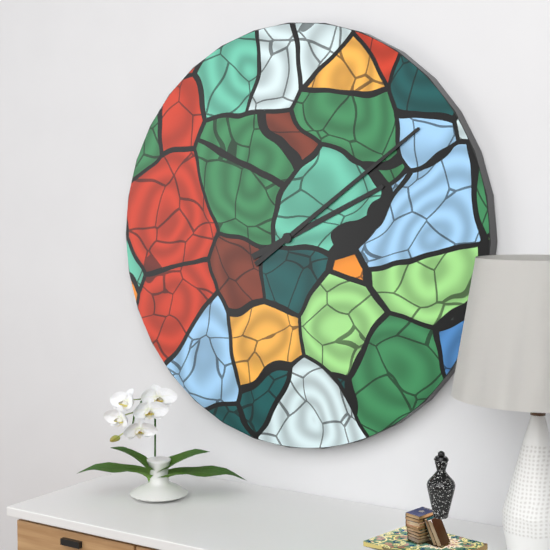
**2:09**
